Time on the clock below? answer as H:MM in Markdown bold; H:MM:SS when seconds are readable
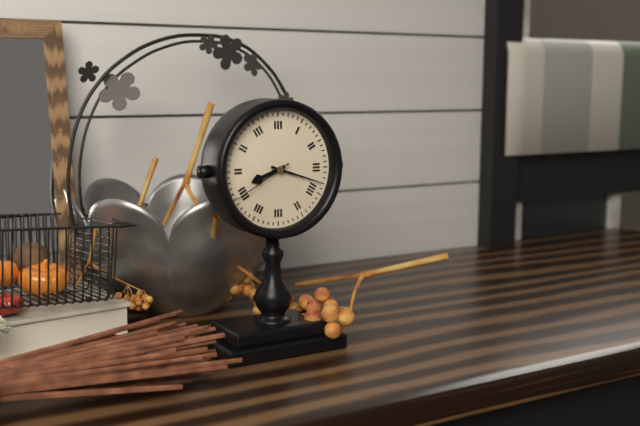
**8:18:40**
